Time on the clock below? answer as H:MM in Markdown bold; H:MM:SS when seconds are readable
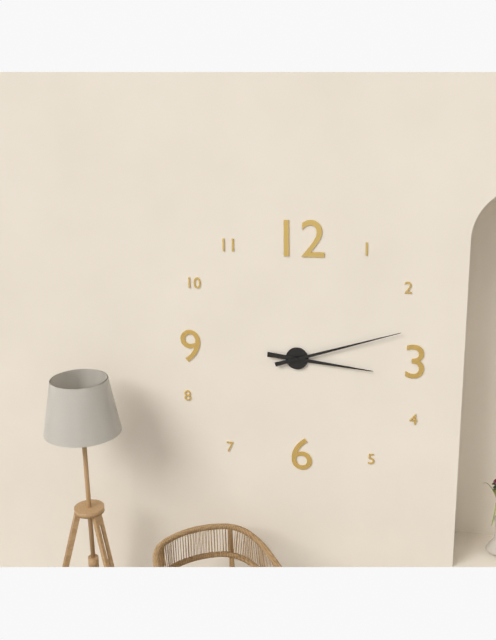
**3:12**
